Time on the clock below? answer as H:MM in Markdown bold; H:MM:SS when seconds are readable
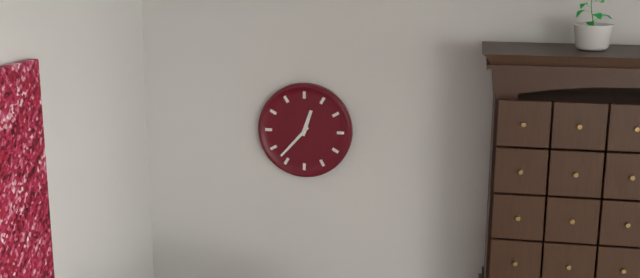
**12:37**
